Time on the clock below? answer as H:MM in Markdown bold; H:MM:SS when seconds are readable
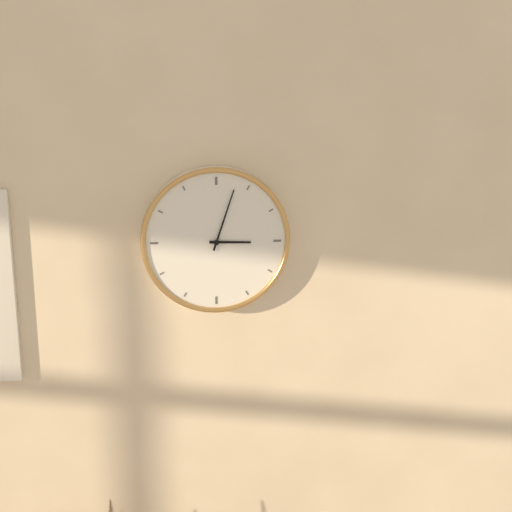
**3:03**
